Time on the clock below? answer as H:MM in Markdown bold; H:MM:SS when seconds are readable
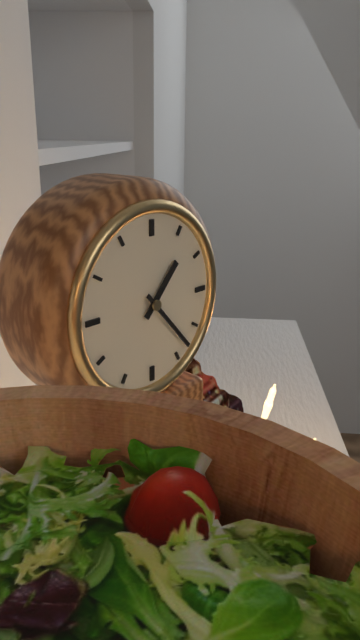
**1:23**
